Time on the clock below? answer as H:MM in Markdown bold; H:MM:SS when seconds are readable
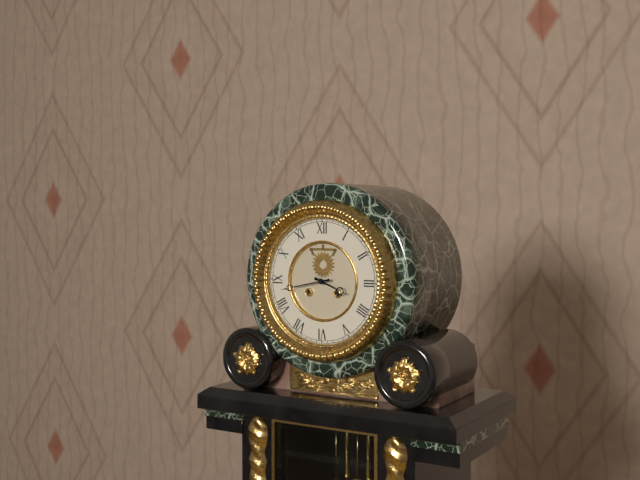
**3:43**
